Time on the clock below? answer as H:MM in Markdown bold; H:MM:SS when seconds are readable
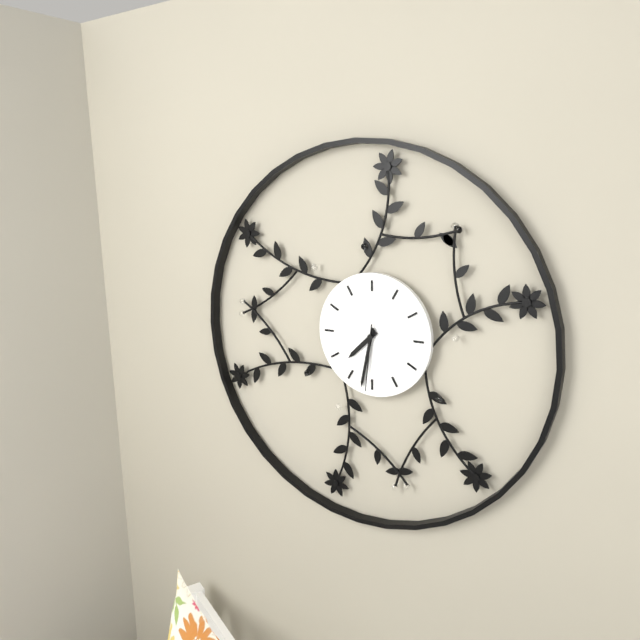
**7:32:31**
